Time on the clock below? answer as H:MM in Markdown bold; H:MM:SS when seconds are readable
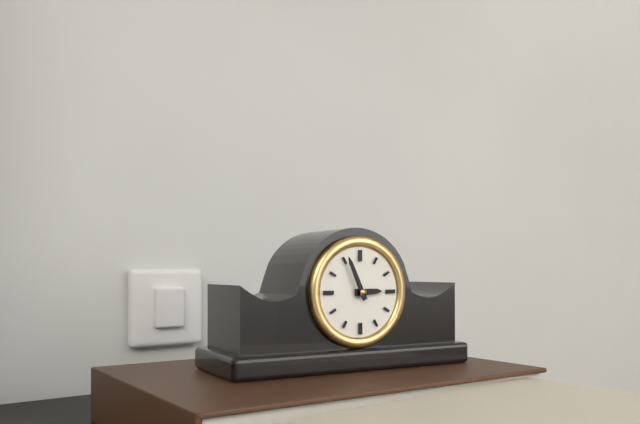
**2:56**
